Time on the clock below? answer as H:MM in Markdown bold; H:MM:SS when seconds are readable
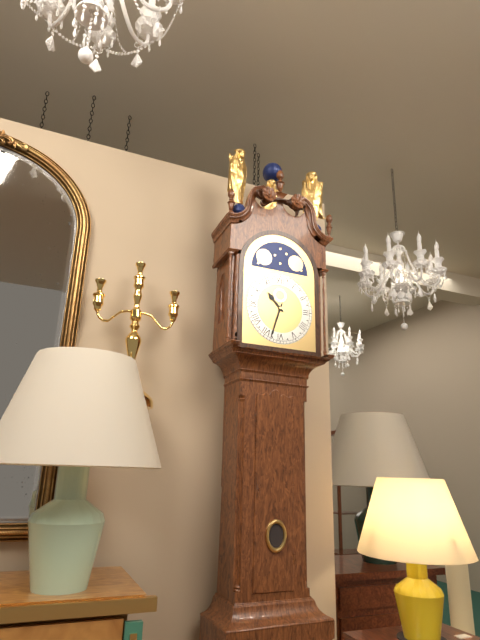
**10:33**
